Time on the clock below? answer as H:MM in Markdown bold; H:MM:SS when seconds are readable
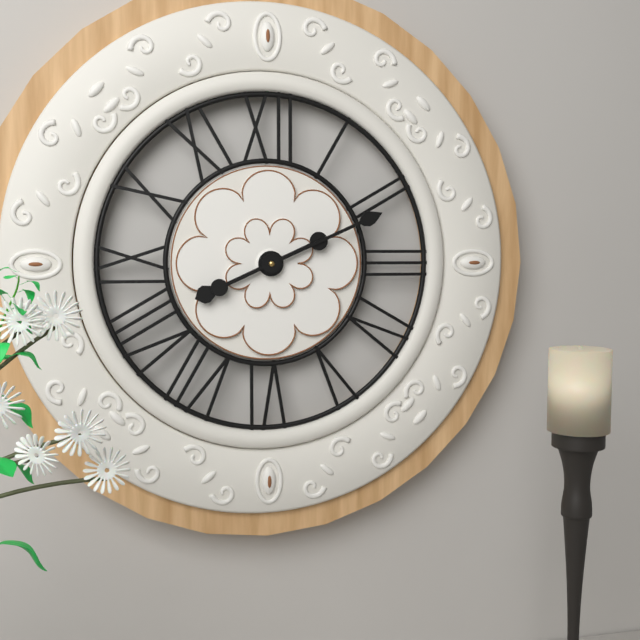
**8:11**
